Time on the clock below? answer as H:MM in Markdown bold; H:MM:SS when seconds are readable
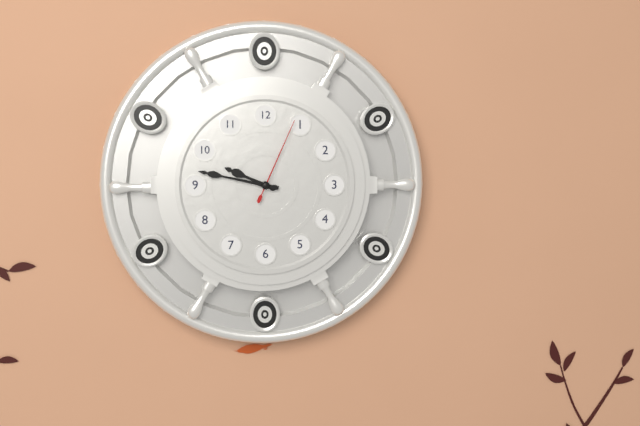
**9:47:04**
